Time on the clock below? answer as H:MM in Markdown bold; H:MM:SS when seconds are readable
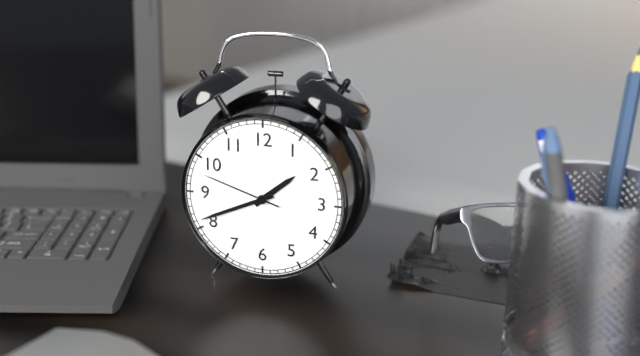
**1:41:48**
